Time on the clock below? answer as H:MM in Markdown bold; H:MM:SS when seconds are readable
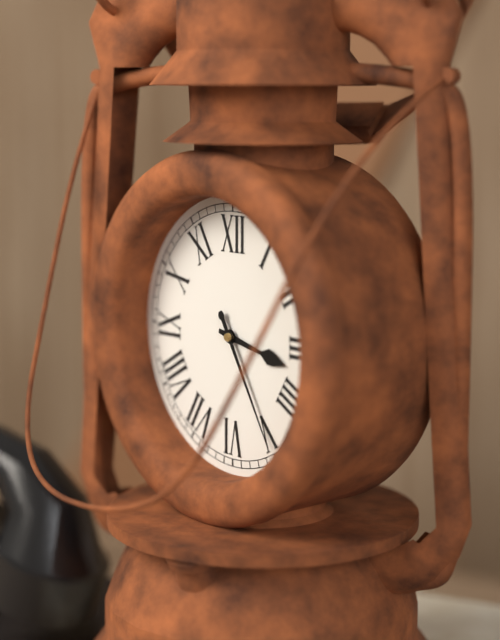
**3:25**
